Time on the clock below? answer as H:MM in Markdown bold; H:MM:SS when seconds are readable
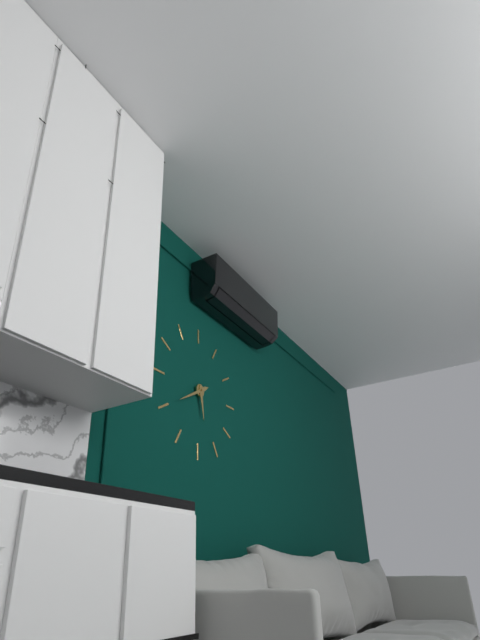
**5:40**
